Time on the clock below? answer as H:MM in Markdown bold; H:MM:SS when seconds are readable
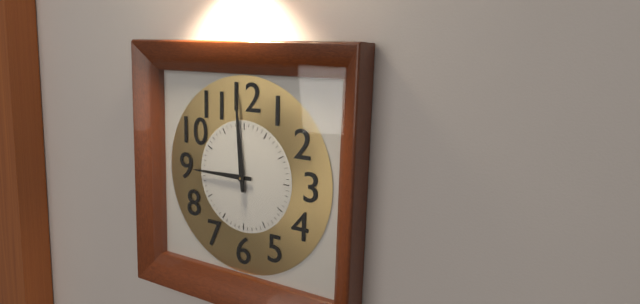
**8:59**
